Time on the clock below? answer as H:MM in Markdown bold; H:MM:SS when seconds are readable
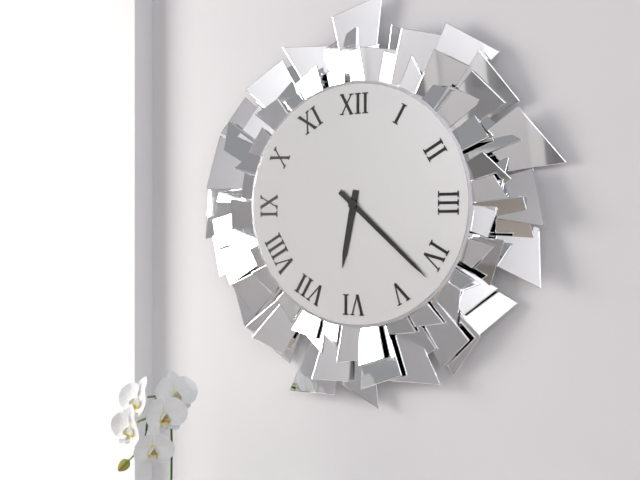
**6:22**
